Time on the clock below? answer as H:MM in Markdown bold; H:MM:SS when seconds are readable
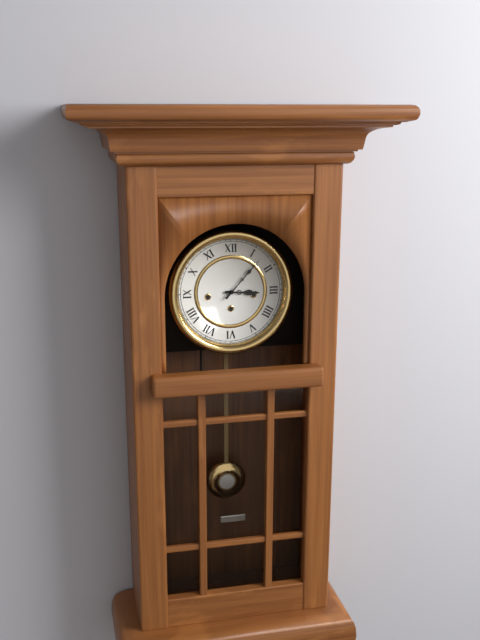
**3:07**
